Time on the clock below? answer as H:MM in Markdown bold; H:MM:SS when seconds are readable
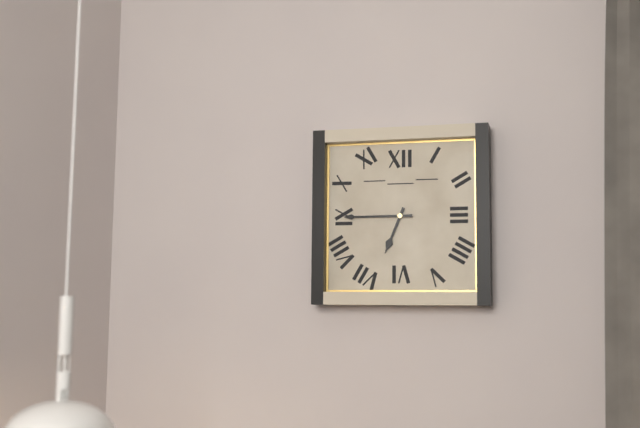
**6:45**
